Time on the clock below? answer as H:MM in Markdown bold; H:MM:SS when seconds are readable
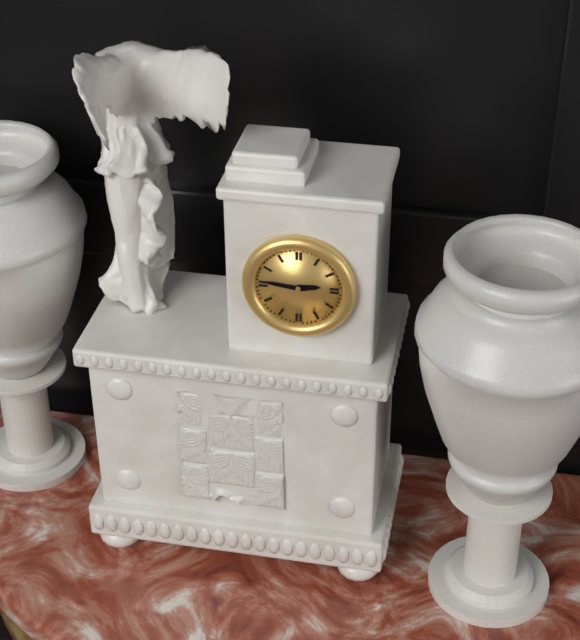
**2:46**
